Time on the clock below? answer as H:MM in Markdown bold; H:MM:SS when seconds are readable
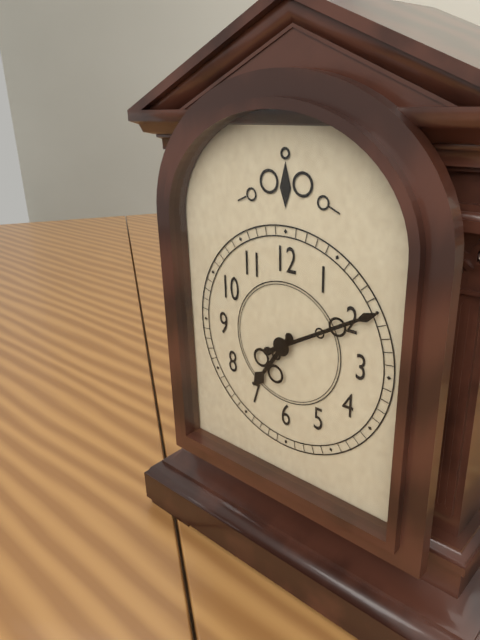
**7:10**
